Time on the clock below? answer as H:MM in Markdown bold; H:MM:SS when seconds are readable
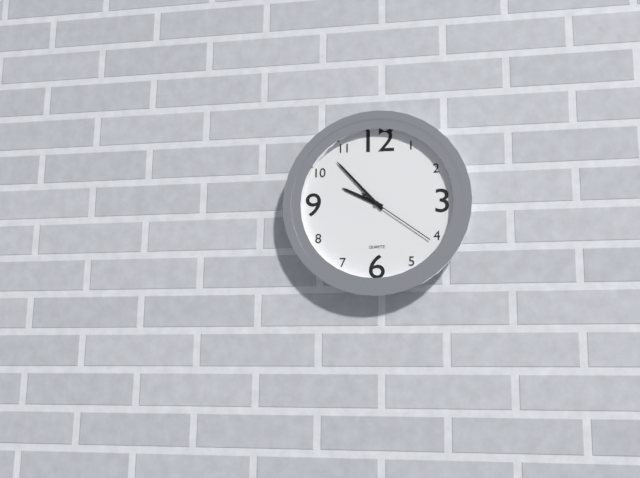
**9:53:21**
